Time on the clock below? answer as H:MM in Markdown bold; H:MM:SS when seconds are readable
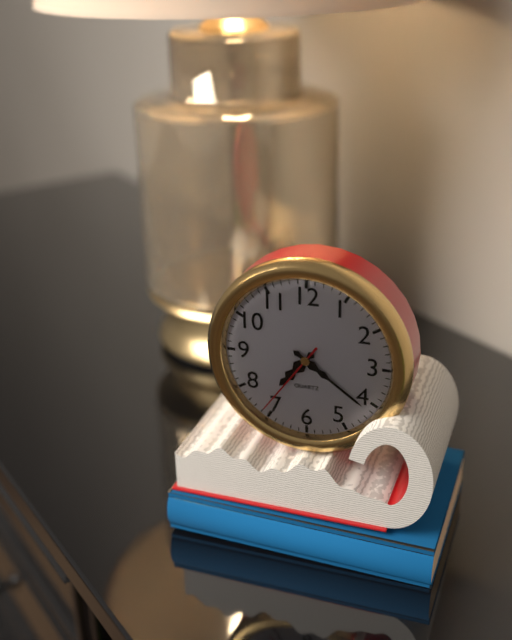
**7:21:36**
